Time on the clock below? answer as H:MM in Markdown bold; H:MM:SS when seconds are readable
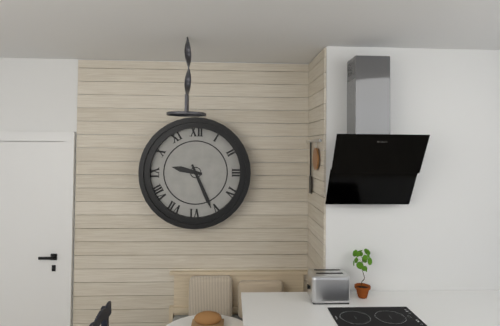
**9:26**
